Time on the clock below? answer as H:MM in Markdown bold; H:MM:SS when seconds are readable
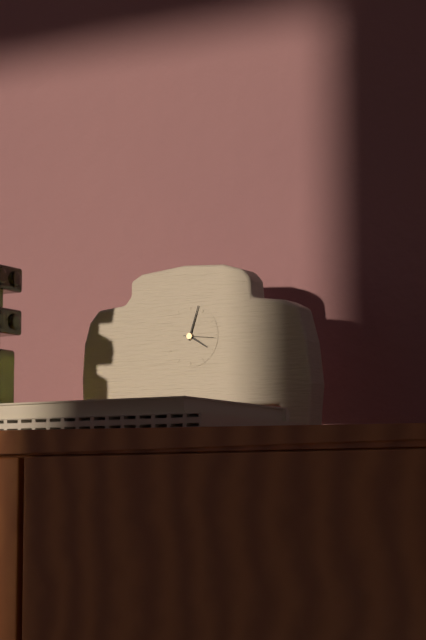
**4:03**
